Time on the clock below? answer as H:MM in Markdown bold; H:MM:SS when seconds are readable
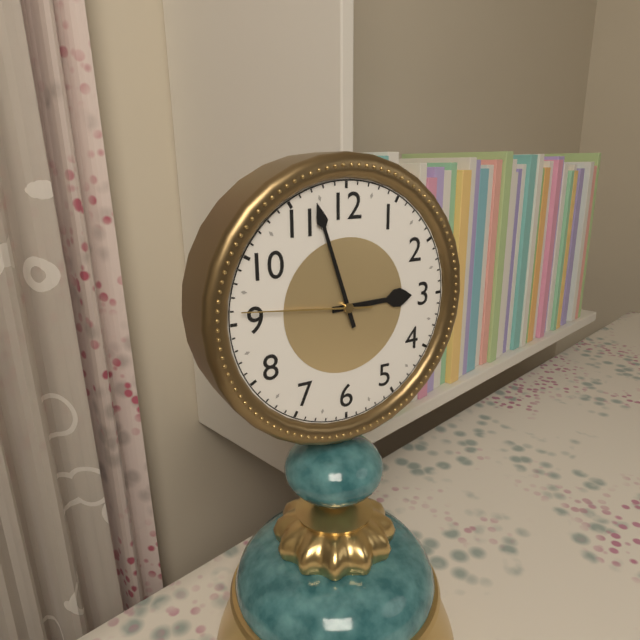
**2:57:46**
